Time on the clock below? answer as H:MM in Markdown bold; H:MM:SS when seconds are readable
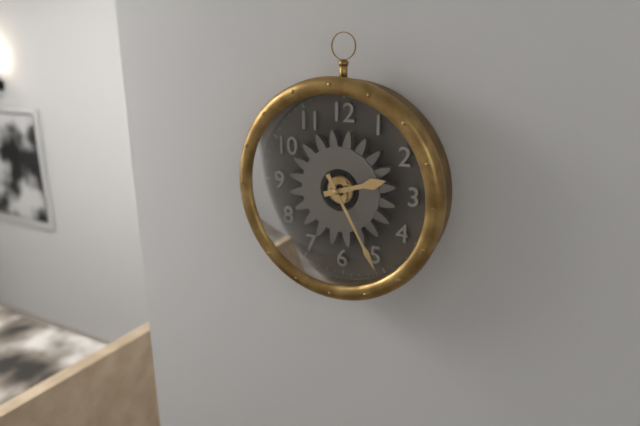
**2:25**
